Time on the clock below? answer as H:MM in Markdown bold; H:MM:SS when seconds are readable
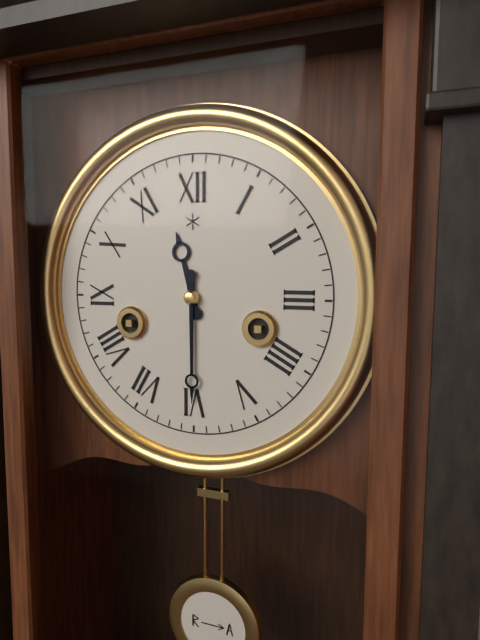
**11:30**
